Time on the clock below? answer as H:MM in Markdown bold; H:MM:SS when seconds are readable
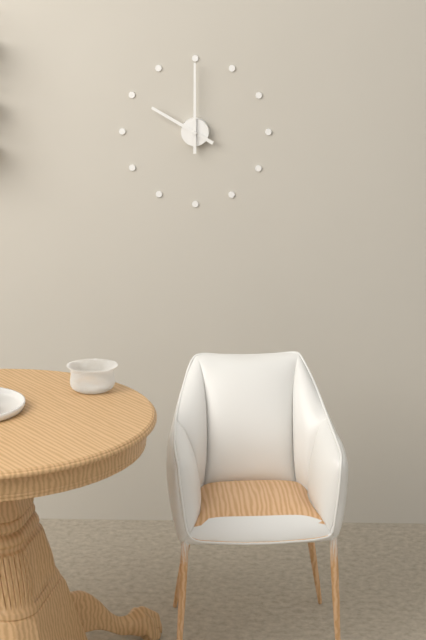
**10:00**
